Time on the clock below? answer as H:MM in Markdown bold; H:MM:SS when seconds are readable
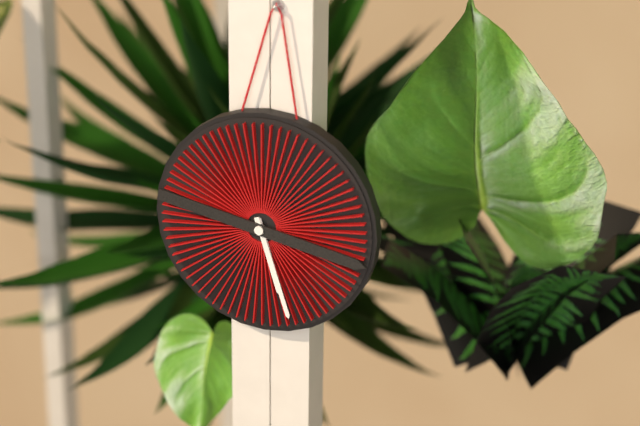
**5:27:17**
